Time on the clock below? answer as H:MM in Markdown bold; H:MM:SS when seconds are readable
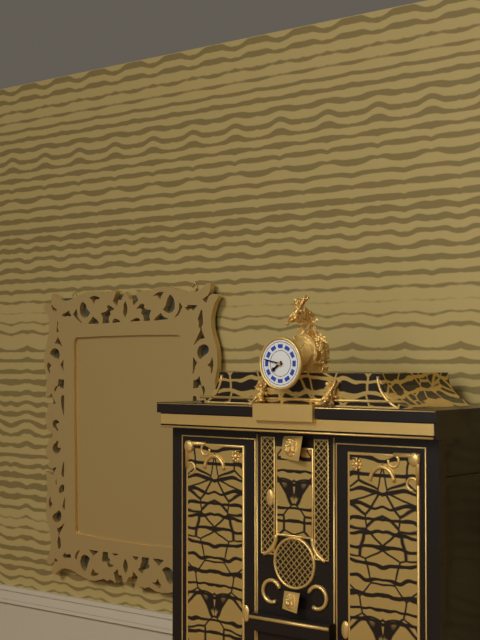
**7:47**
